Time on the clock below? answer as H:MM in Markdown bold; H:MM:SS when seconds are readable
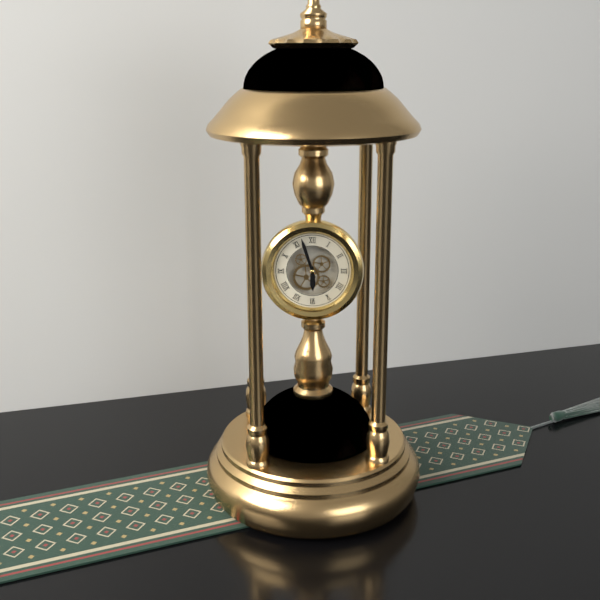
**5:57**
